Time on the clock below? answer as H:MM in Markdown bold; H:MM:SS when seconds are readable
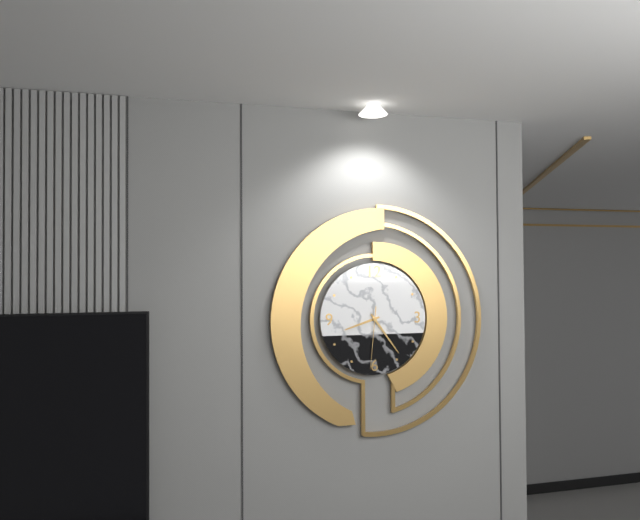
**8:24:31**
